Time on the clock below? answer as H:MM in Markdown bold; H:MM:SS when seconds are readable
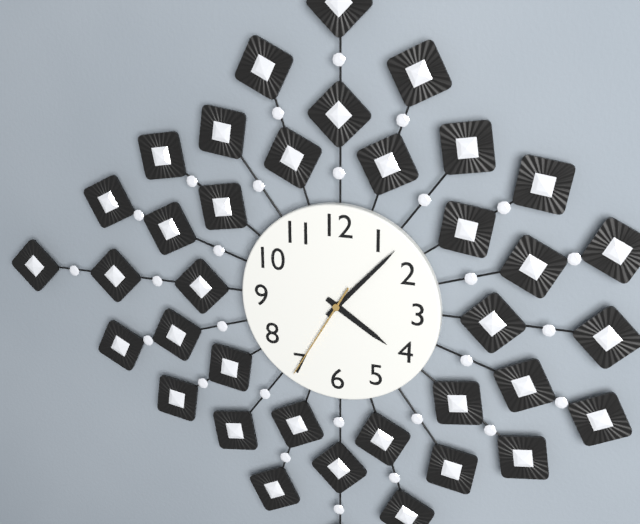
**4:07:35**
